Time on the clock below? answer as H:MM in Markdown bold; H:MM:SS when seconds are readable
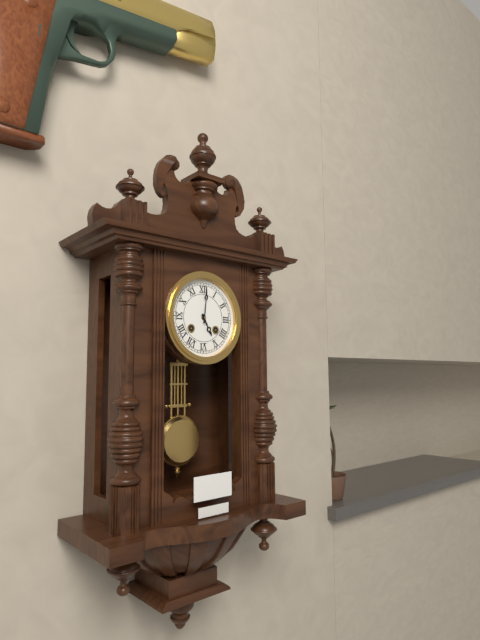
**5:01**
